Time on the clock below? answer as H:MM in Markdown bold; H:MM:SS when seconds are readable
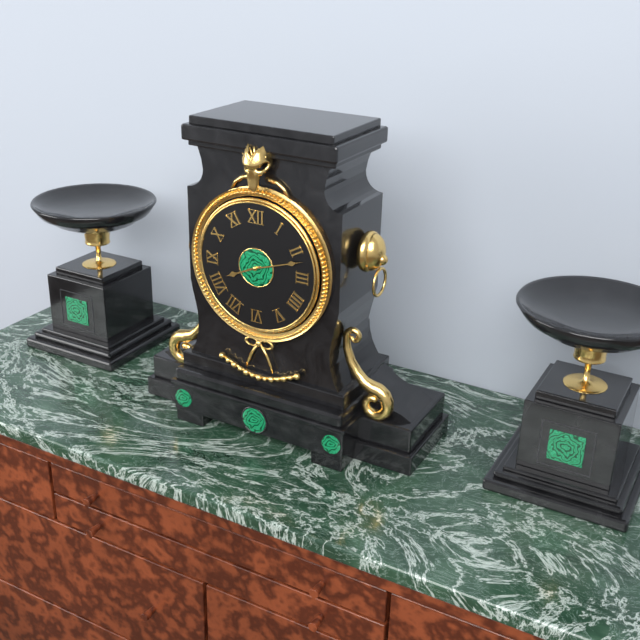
**8:12**
